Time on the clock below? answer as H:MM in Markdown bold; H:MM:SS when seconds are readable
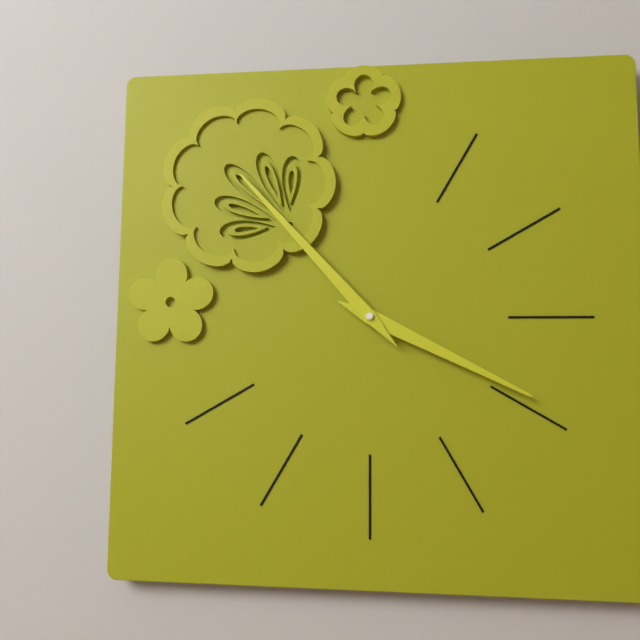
**3:53**
